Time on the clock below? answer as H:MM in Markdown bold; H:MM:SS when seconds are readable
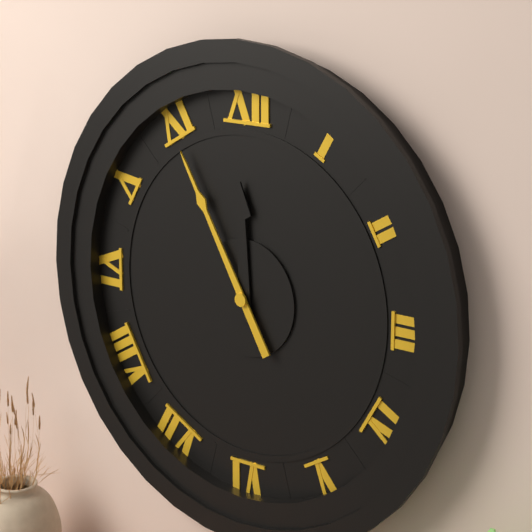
**11:55**
